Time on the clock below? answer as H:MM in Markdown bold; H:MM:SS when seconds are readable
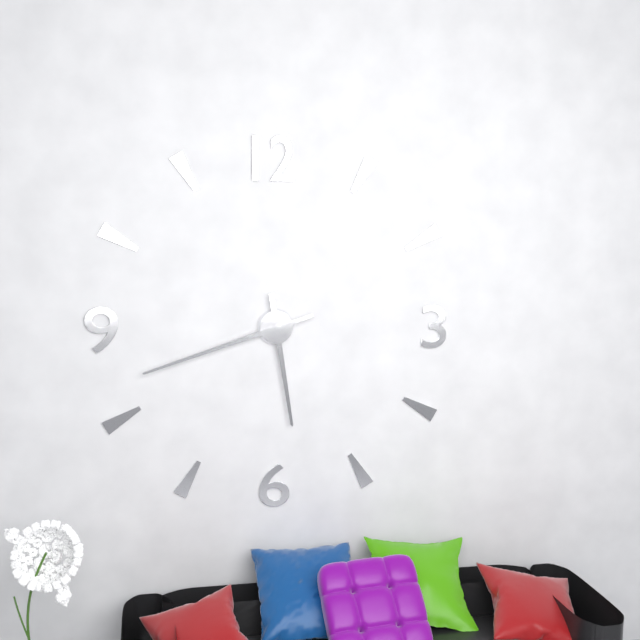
**5:42**
